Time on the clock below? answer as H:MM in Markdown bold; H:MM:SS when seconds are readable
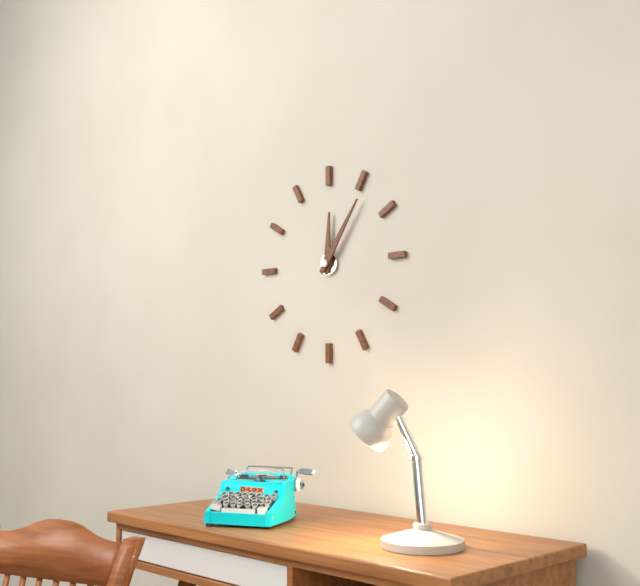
**12:06**
